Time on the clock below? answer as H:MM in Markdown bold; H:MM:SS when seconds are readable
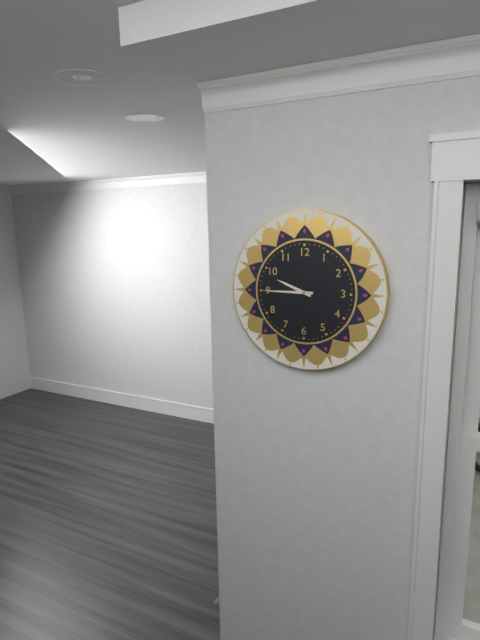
**9:45**
